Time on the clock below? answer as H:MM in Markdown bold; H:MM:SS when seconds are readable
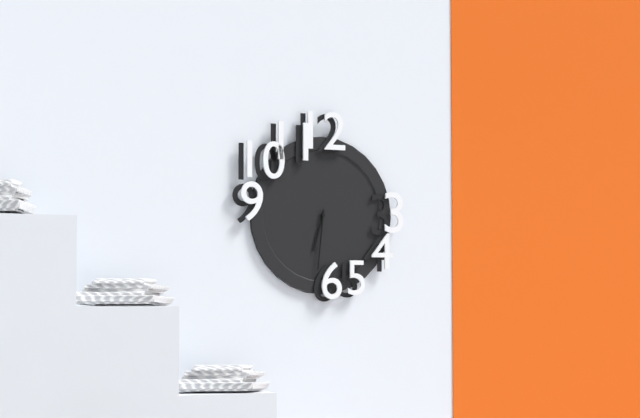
**6:31**
